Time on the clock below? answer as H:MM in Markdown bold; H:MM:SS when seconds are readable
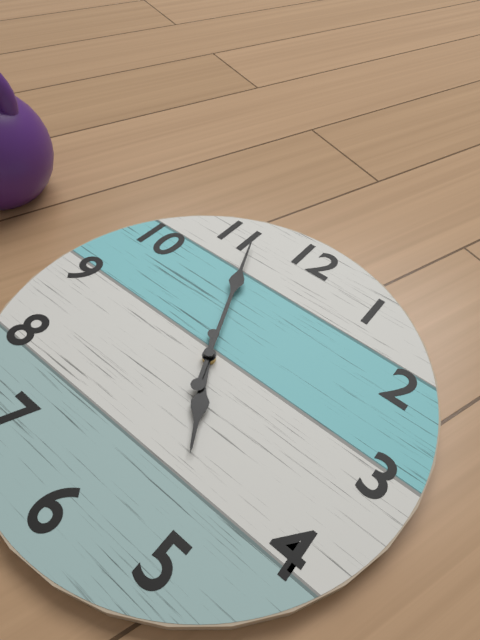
**4:56**
